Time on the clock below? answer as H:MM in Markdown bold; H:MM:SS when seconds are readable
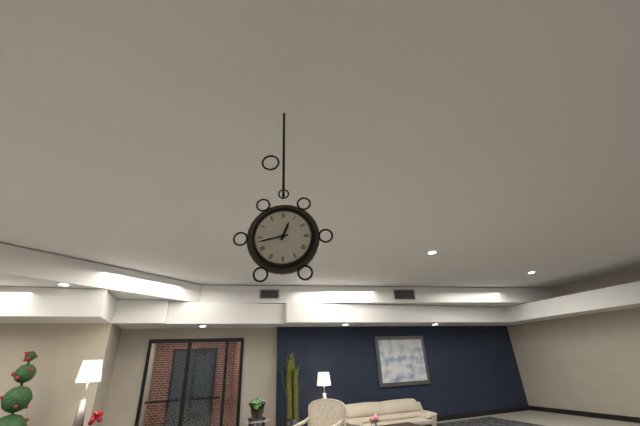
**12:43**
